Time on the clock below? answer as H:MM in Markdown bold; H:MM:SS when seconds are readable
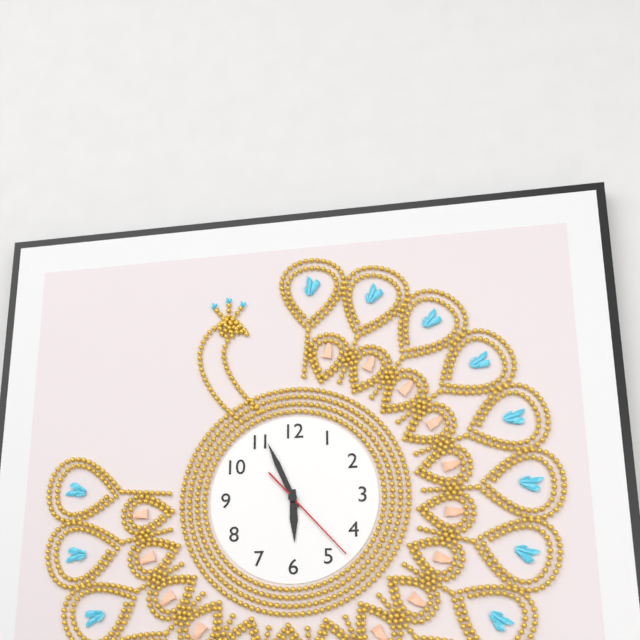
**5:56:23**
